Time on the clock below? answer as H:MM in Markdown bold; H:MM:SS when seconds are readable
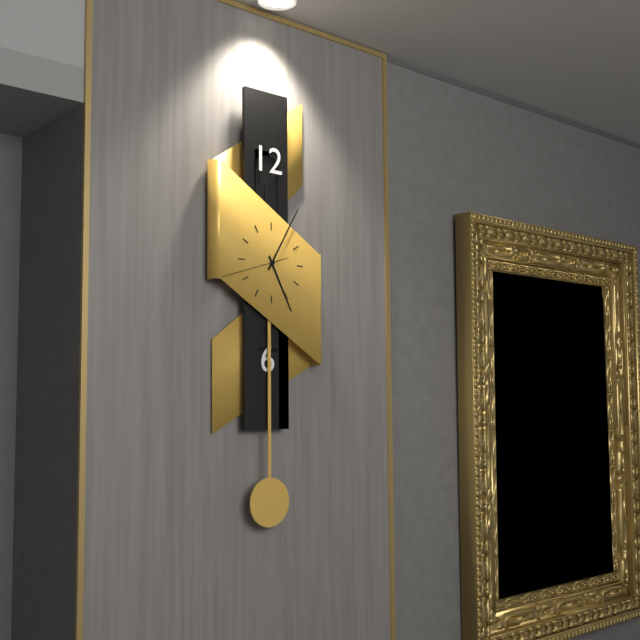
**5:05:42**
